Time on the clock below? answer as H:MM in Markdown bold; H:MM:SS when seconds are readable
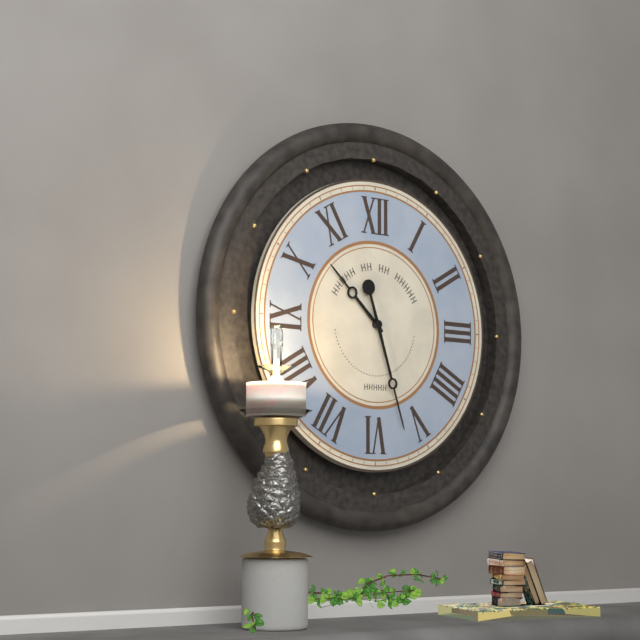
**10:27**
